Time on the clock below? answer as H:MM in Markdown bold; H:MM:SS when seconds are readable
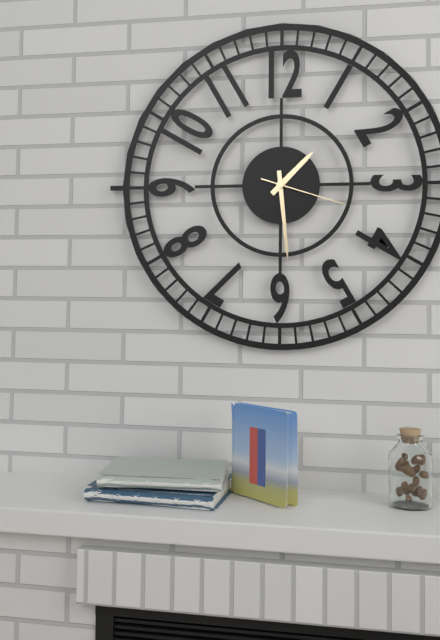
**1:29:18**
